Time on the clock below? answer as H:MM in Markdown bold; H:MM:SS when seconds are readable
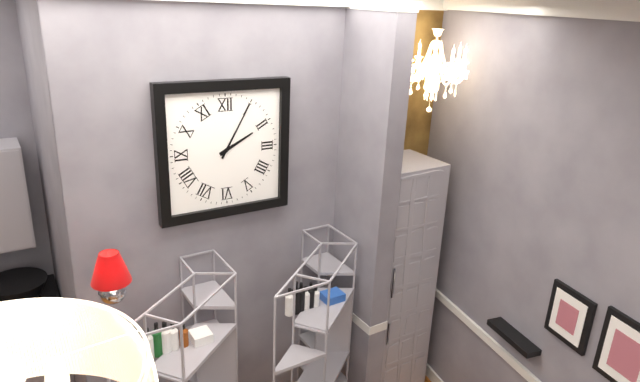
**2:05**
